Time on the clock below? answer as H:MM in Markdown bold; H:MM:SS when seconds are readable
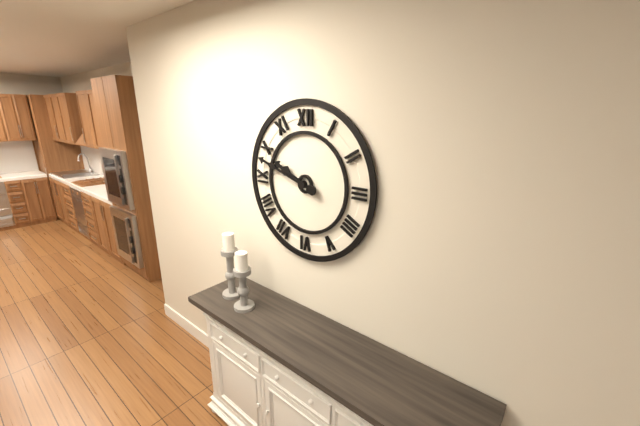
**9:48**
